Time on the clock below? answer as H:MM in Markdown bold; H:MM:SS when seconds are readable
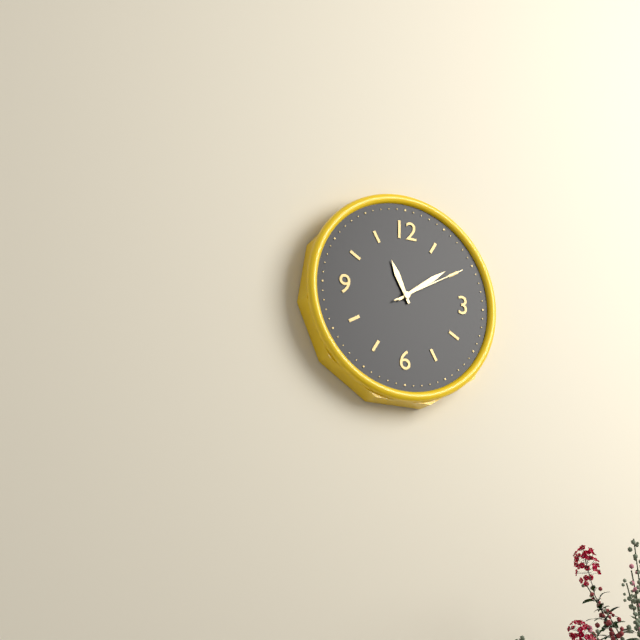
**11:09:10**
